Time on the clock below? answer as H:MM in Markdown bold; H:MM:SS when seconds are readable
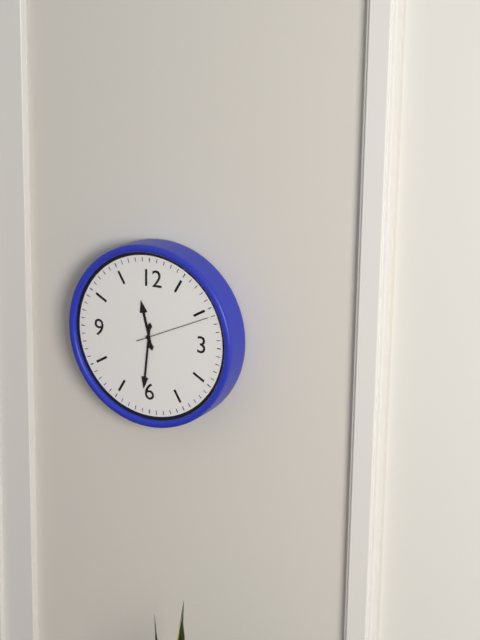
**11:31:11**
